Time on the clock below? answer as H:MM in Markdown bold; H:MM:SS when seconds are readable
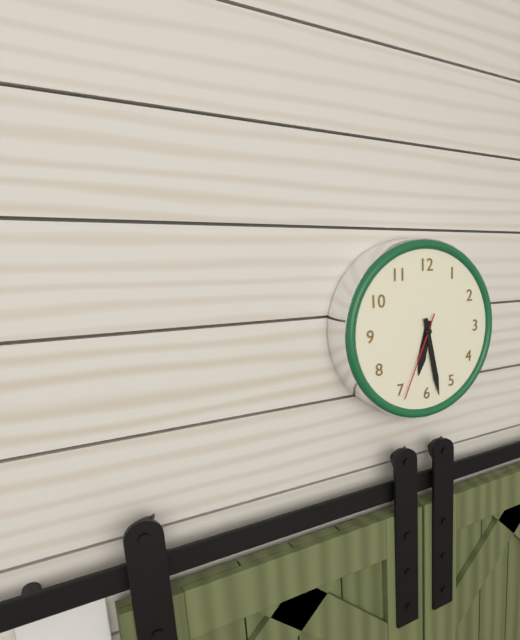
**6:28:34**
